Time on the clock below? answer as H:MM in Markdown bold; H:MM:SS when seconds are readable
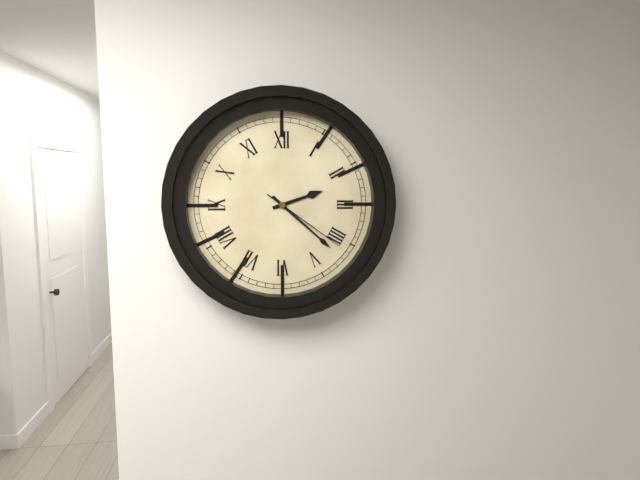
**2:22:21**
